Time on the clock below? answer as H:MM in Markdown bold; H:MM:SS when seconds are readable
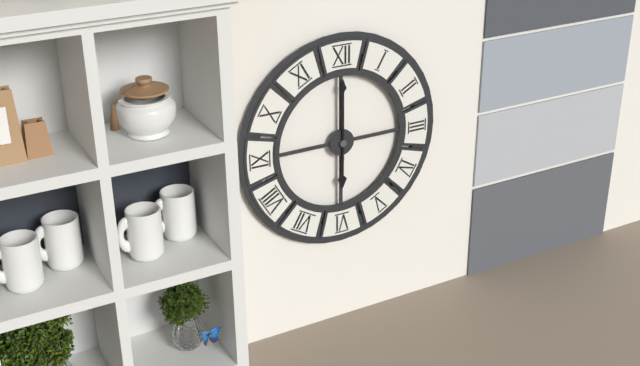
**6:00**
